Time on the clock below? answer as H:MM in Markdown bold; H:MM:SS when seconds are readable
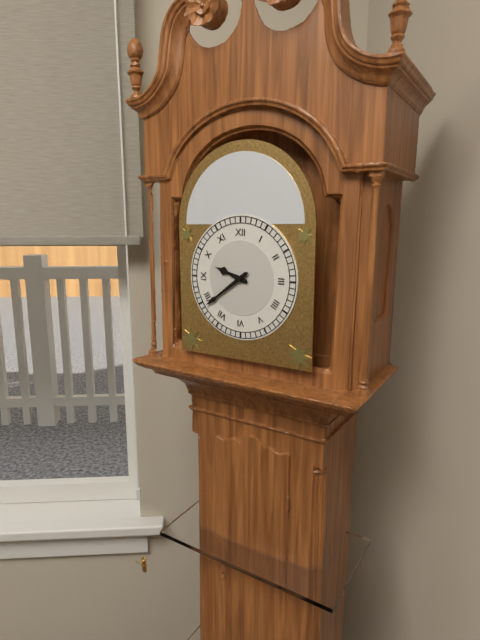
**9:39**
